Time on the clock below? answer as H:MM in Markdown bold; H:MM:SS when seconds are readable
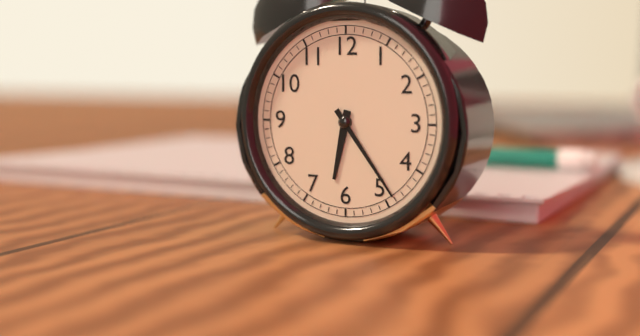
**6:24**
